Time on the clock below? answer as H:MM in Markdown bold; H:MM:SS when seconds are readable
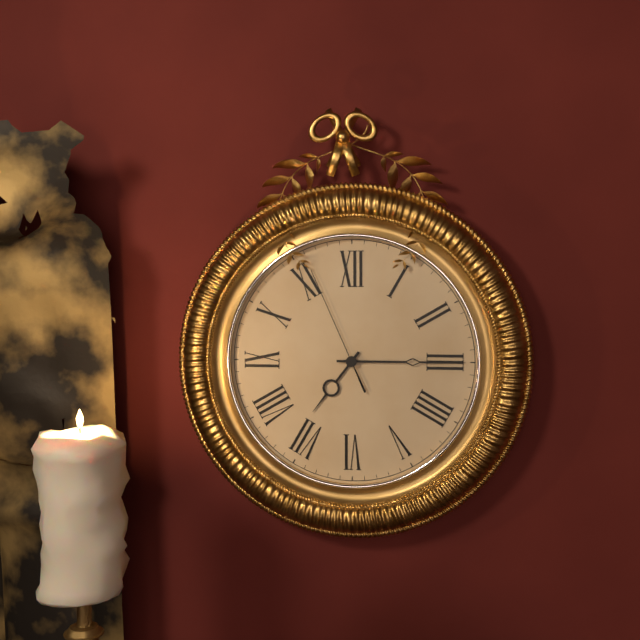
**7:15:56**
